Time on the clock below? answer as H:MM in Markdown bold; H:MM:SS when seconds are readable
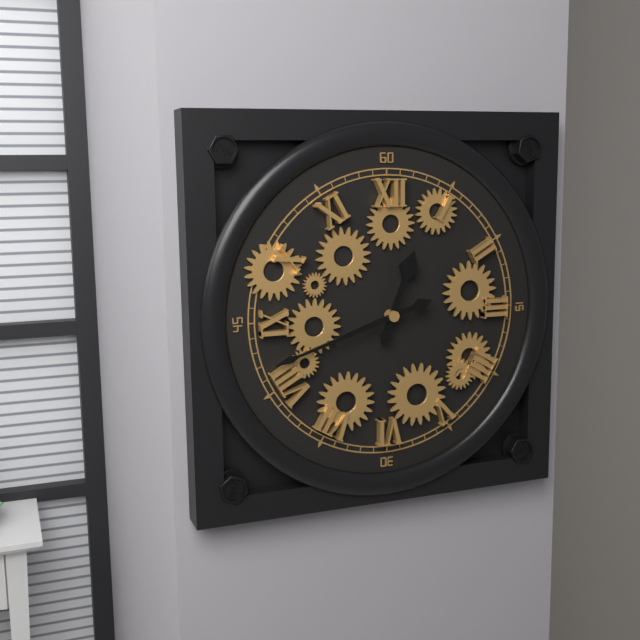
**12:42**
